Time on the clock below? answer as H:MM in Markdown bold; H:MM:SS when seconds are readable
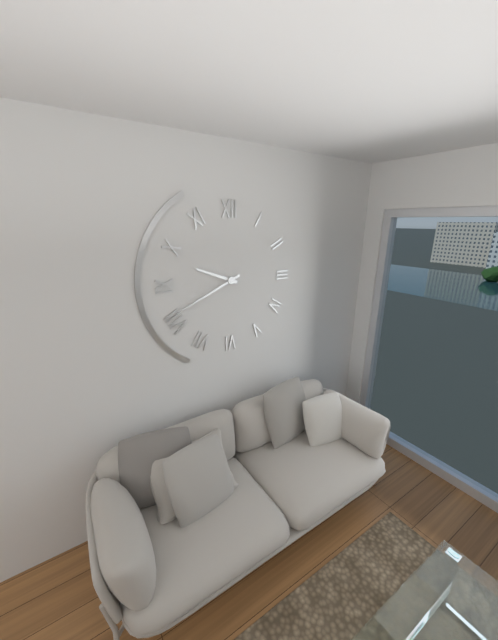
**9:41**
